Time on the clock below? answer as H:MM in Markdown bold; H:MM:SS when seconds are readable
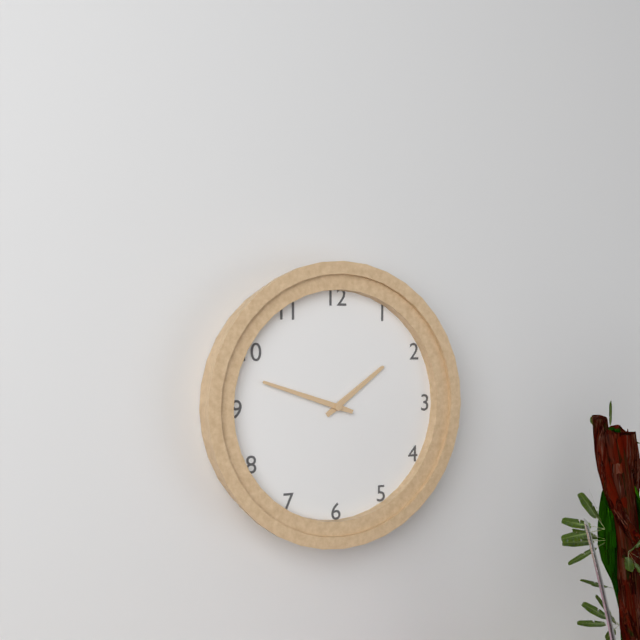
**1:48**
